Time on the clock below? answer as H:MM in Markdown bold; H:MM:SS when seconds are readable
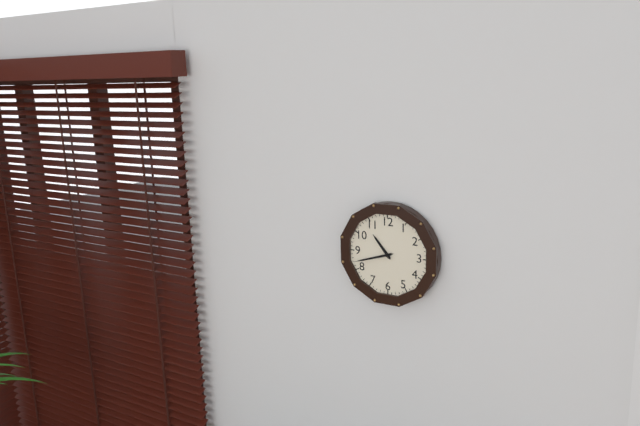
**10:42**
